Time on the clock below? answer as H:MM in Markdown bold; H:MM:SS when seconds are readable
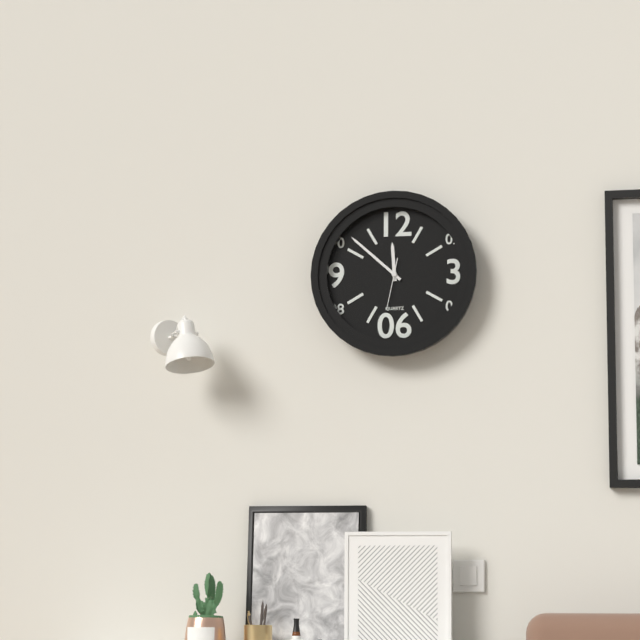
**11:52**
